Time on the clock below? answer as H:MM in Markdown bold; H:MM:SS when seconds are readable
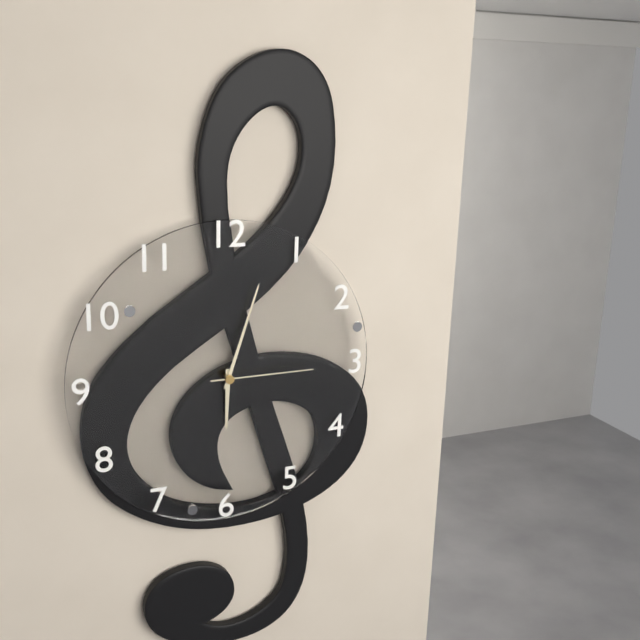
**6:03:15**
